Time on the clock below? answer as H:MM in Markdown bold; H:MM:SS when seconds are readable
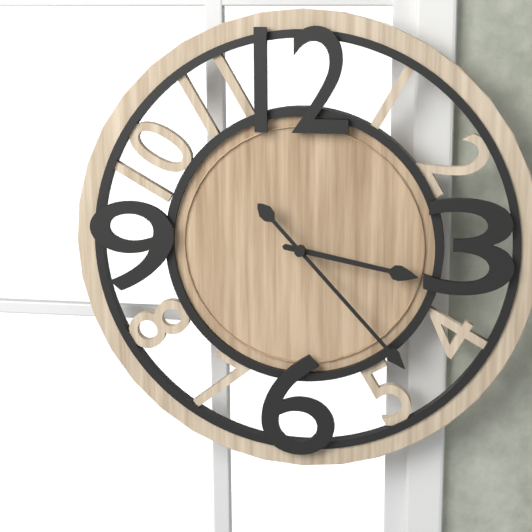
**3:23**
